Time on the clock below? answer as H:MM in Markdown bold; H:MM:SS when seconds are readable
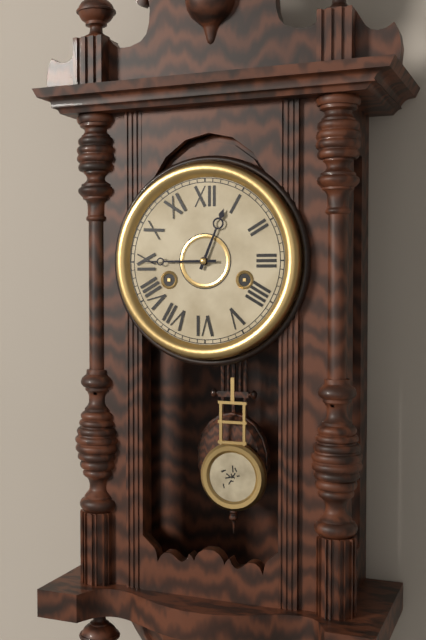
**12:45**
